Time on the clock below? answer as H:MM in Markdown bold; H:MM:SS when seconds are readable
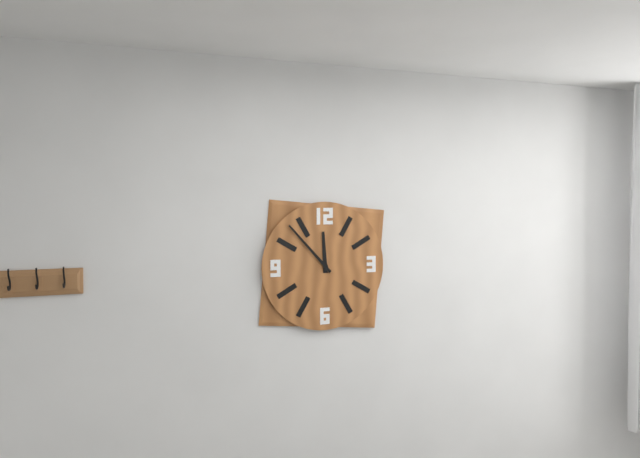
**11:53**
